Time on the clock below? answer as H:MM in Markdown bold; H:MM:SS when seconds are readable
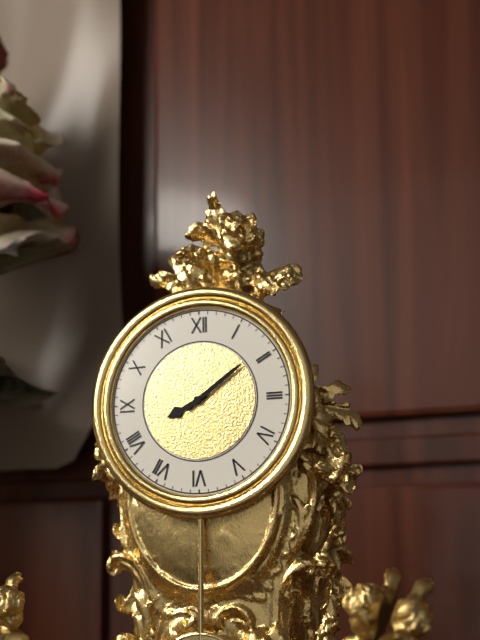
**8:09**
